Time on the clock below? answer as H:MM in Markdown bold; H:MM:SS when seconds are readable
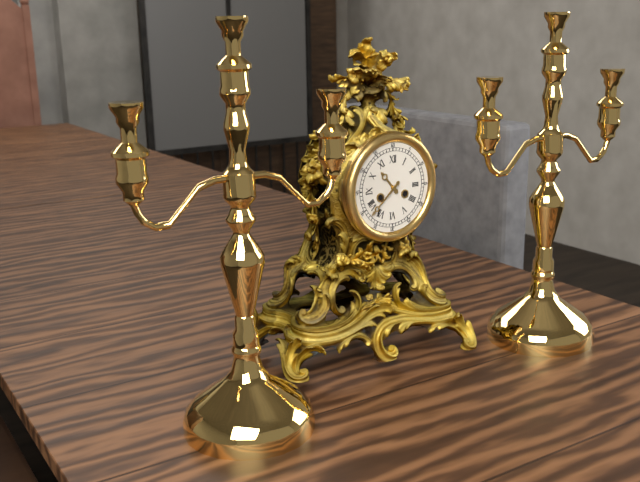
**10:38**
